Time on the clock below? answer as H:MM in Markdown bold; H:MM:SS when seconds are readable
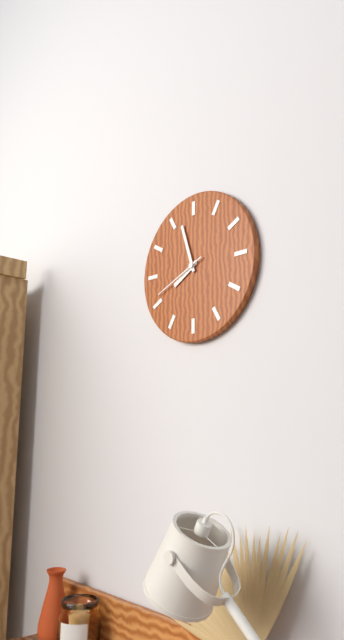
**7:57:41**
